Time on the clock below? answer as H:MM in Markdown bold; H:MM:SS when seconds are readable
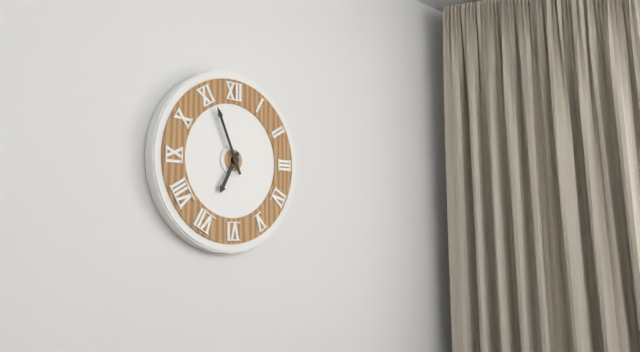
**6:56**
